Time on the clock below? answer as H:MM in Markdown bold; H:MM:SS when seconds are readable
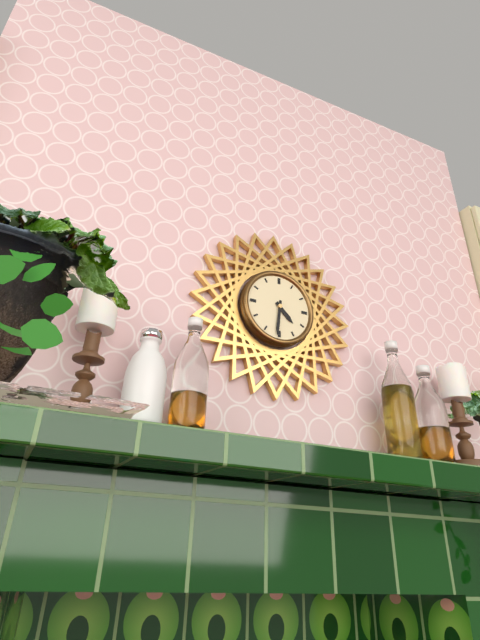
**4:31**
